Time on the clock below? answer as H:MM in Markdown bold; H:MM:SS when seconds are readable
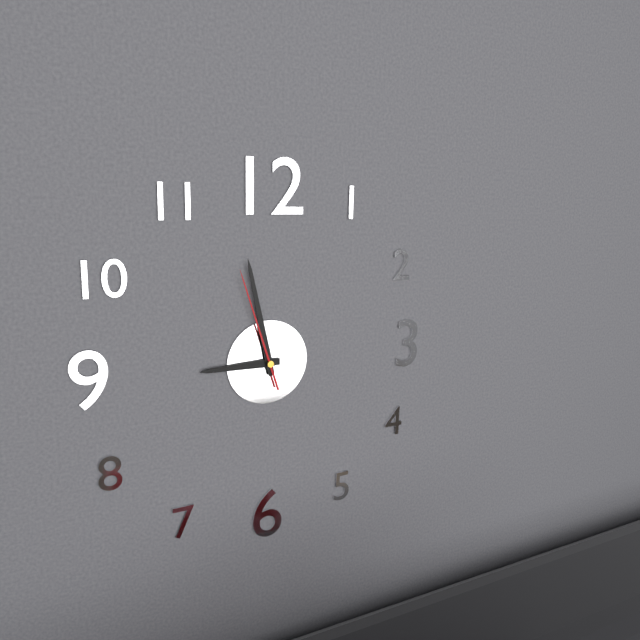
**8:58:57**
